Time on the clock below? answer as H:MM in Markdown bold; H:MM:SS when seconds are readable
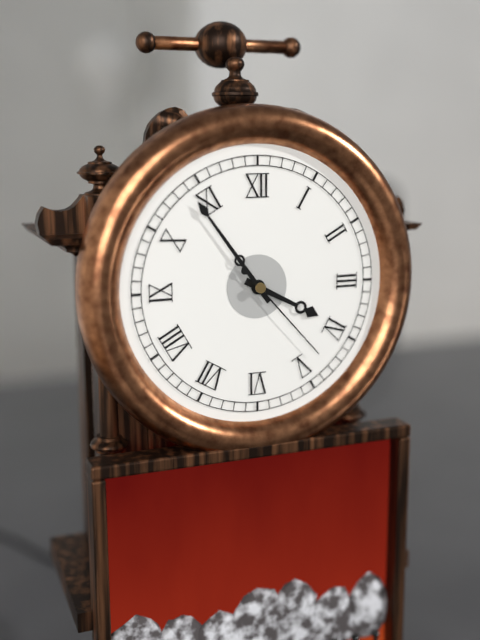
**3:54:23**
